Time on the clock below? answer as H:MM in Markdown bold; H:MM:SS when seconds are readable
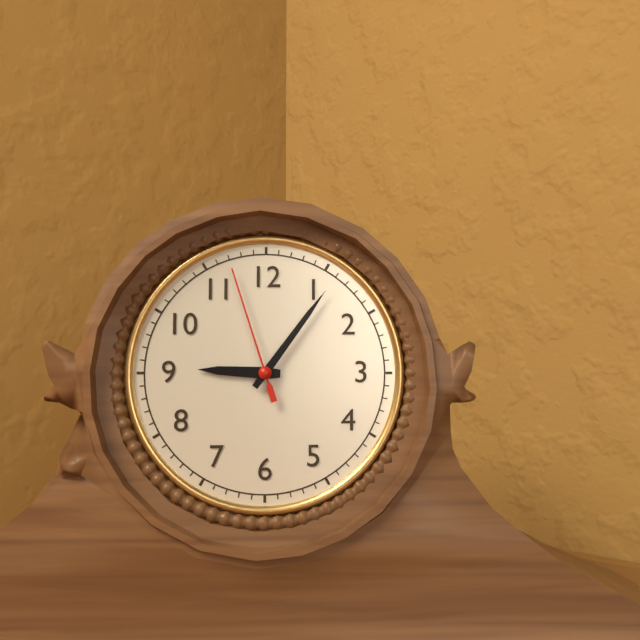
**9:06:57**
